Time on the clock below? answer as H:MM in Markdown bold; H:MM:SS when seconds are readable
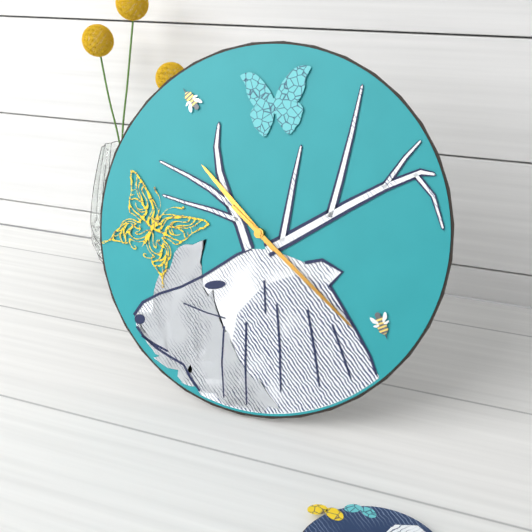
**10:21**
